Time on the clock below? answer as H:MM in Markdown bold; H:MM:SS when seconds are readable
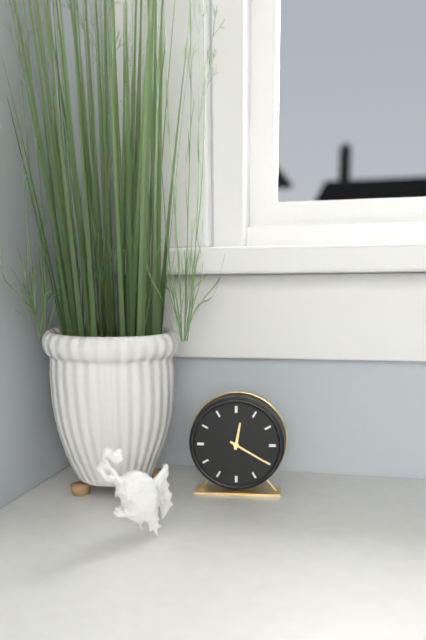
**12:20**
